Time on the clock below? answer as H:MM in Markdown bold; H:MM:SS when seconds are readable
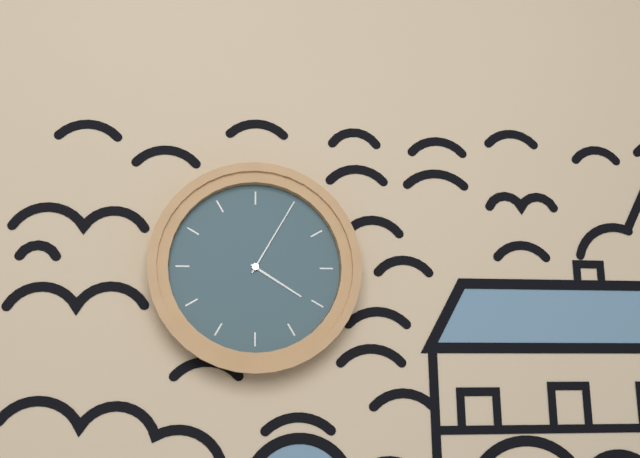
**4:05**
